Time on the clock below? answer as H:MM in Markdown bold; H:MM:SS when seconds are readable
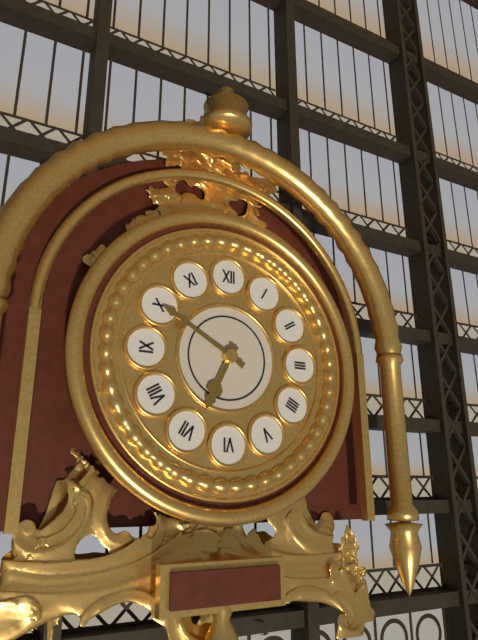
**6:50**
